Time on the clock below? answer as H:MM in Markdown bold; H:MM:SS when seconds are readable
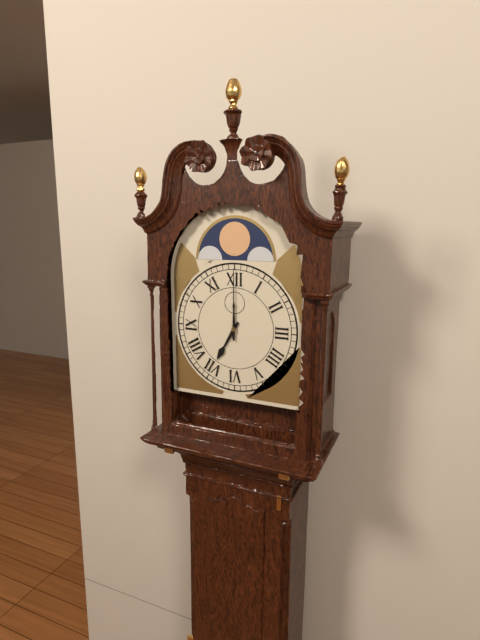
**7:00**
